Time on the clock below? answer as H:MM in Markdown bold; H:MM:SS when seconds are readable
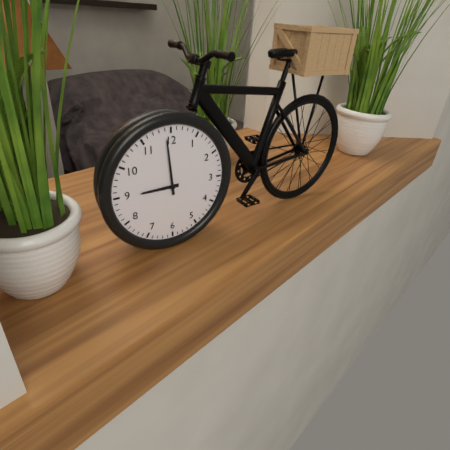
**8:59**
